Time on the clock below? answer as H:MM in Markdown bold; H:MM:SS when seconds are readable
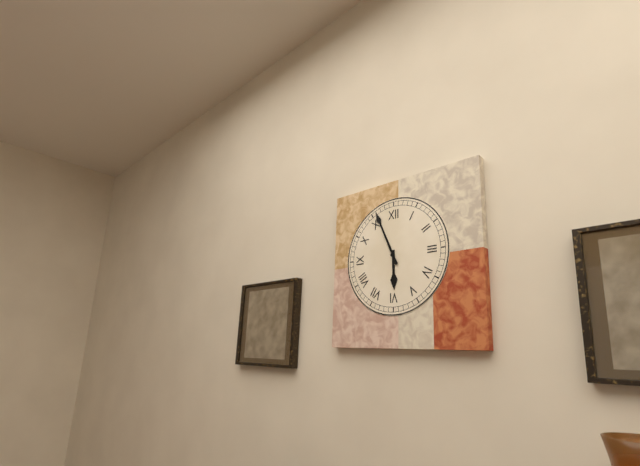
**5:56**
